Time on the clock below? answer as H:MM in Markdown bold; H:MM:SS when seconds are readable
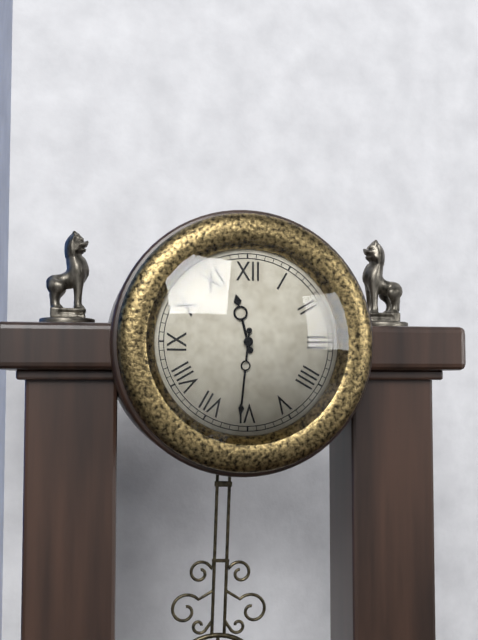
**11:31**
